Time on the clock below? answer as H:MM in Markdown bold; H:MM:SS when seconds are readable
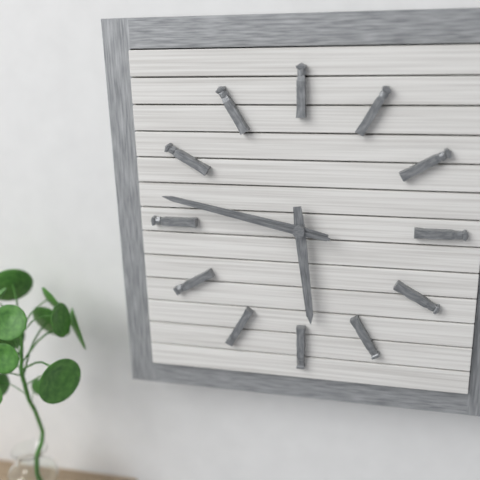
**5:47:47**
